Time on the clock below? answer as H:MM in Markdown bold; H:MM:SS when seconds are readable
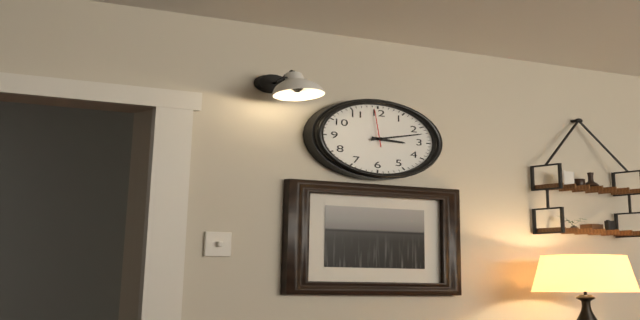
**3:12**
